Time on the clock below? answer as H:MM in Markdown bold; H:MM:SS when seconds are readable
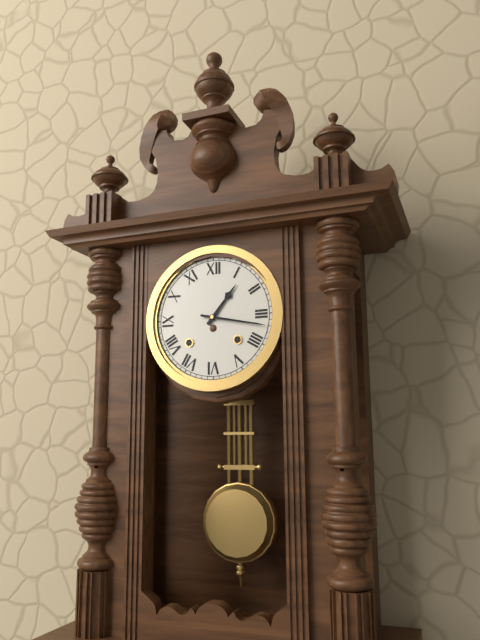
**1:17**
